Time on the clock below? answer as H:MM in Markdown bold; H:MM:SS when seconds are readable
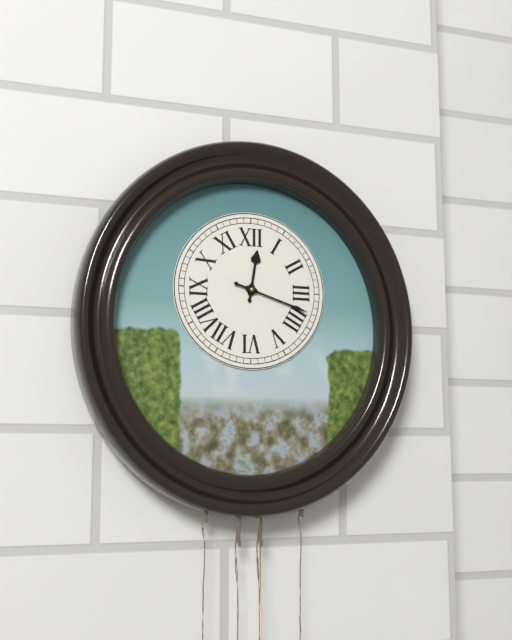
**12:18**
